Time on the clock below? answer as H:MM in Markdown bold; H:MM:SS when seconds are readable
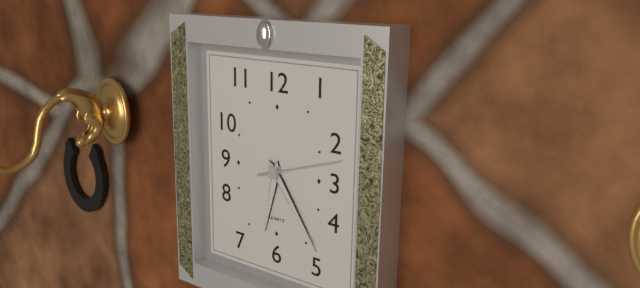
**6:24:12**
